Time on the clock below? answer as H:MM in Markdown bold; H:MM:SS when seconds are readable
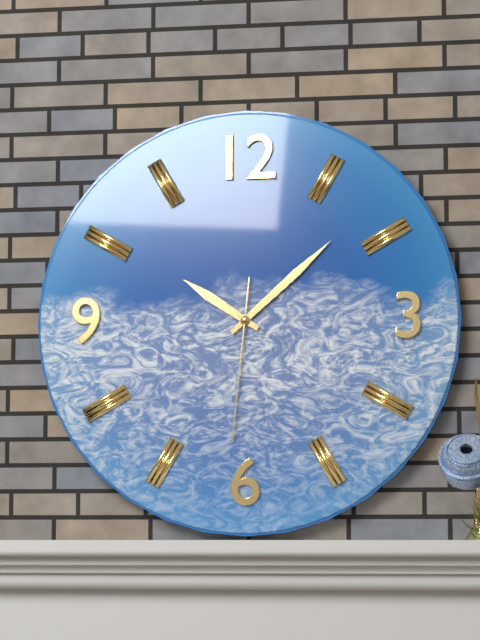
**10:08:31**
